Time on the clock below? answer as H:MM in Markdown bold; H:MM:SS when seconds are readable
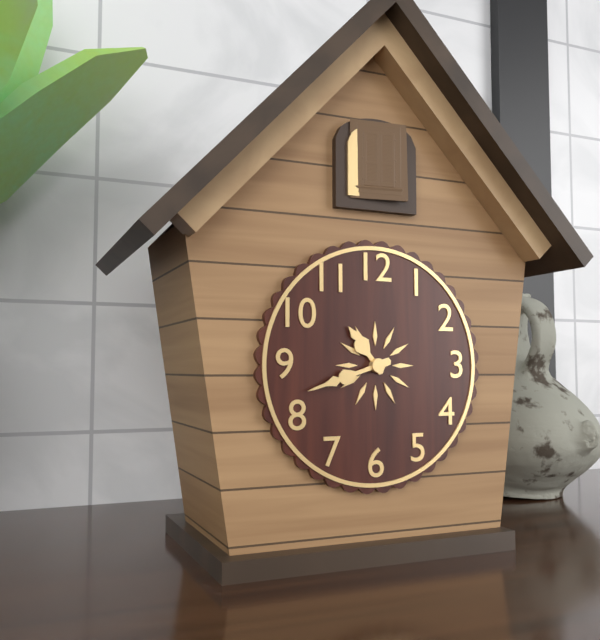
**10:42**
